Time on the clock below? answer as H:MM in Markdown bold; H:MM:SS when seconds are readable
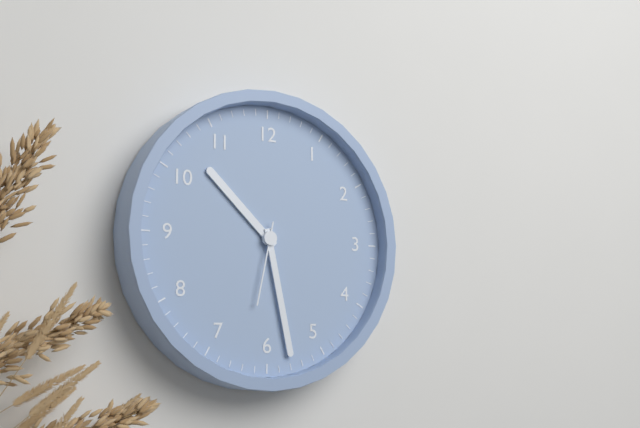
**10:28:32**
